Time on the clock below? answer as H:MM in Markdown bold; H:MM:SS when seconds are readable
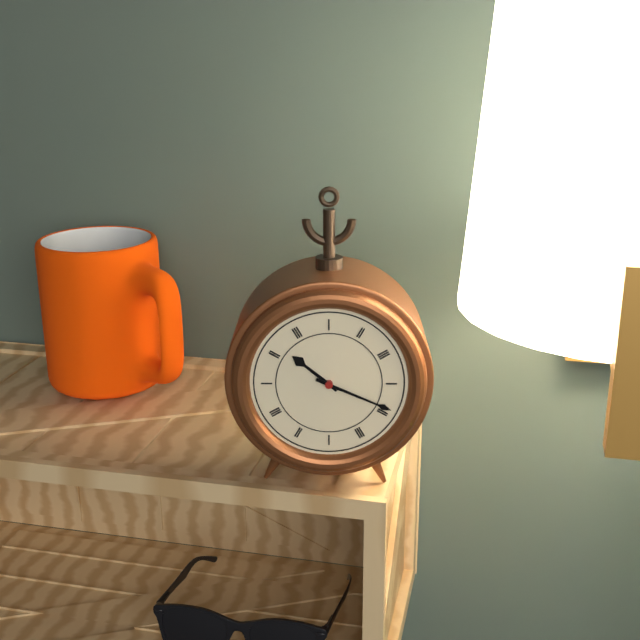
**10:19**
